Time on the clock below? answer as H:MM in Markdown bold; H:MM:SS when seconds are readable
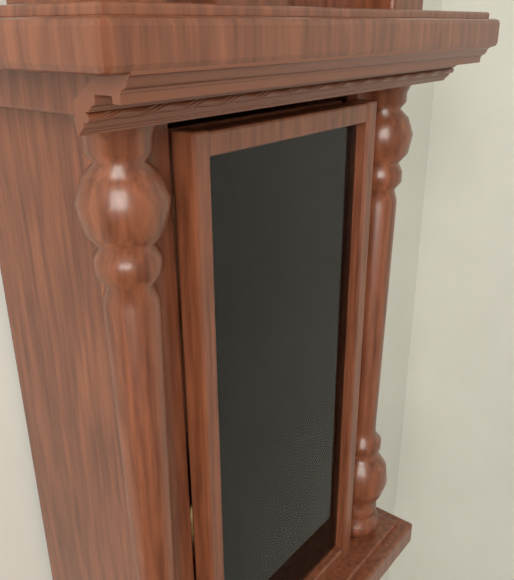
**3:31**
